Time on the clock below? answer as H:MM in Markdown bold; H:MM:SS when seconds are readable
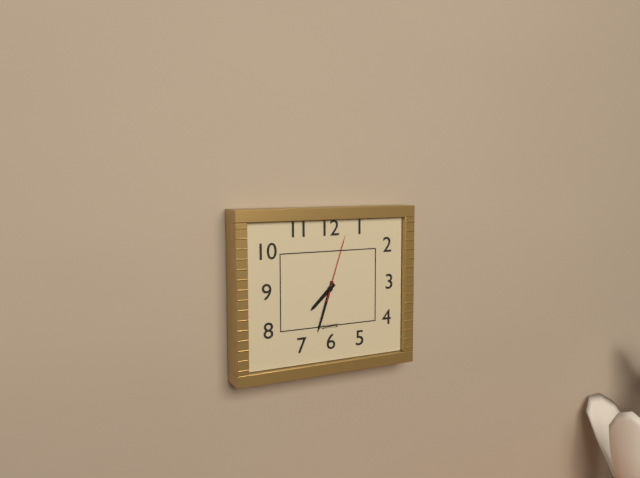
**7:33:03**
